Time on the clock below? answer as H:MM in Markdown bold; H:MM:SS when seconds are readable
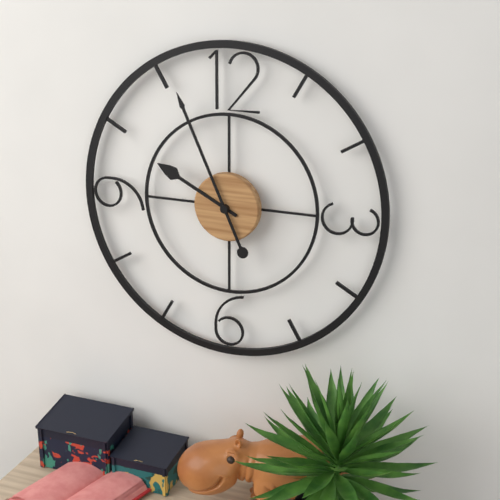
**9:56**
